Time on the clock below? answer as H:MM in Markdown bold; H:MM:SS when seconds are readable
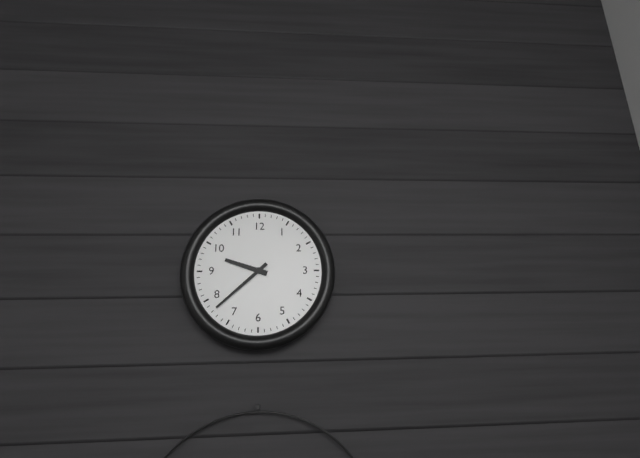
**9:38**
